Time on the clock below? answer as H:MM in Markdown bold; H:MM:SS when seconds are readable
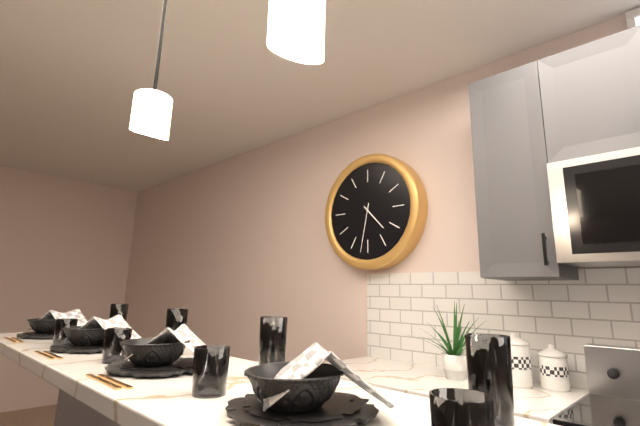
**4:32**
